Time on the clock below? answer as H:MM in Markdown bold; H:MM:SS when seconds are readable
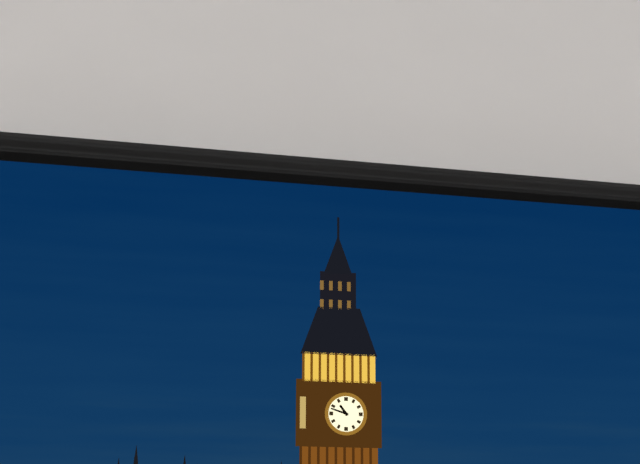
**10:48**
